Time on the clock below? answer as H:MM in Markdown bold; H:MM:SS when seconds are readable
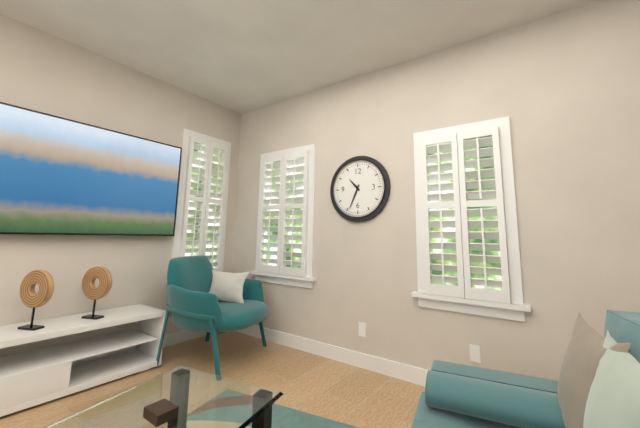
**10:34**
